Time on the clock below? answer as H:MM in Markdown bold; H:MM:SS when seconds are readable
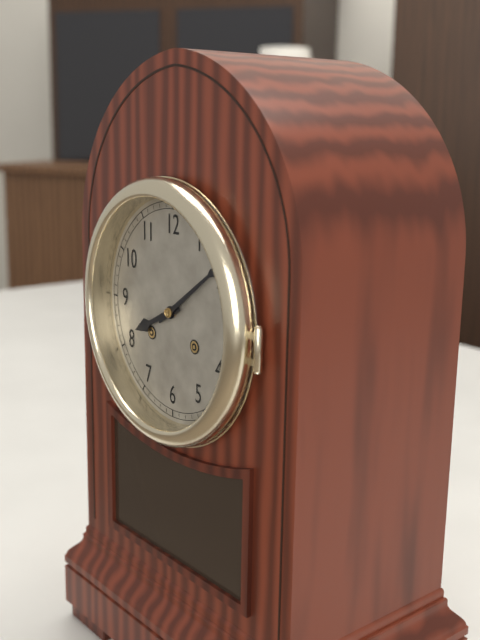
**8:09**
